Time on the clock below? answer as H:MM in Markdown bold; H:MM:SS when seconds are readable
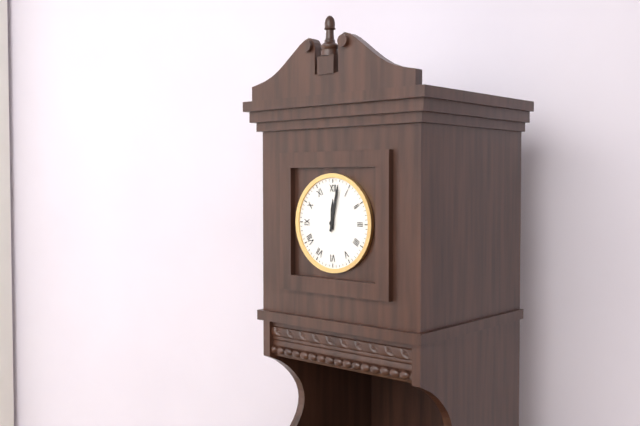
**12:02**
